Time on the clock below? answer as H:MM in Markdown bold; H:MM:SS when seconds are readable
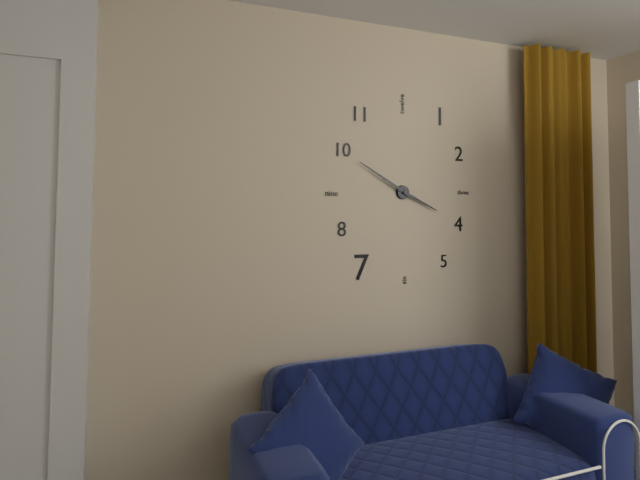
**3:50**
